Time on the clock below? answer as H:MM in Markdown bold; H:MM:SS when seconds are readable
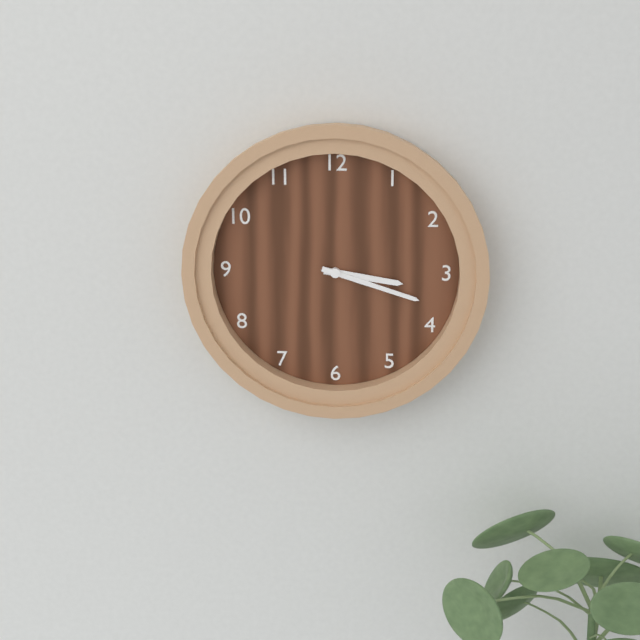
**3:18**
